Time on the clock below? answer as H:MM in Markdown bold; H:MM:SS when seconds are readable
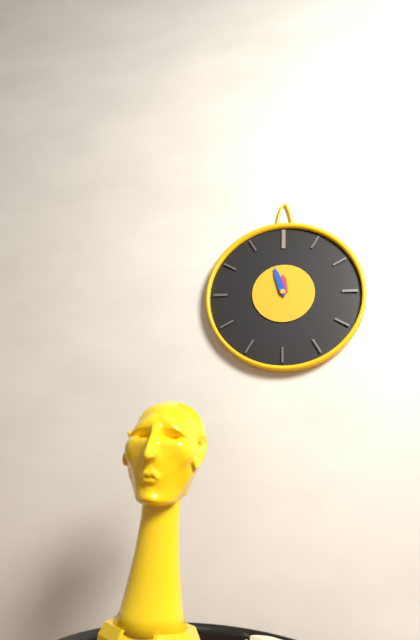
**11:57**
